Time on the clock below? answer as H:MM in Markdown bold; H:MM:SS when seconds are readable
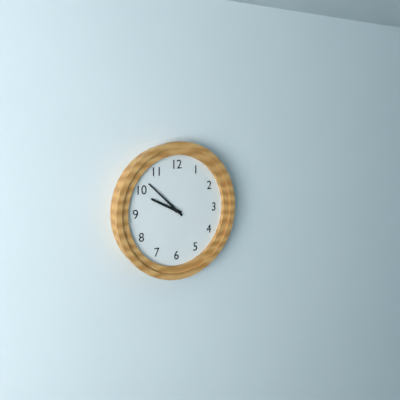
**9:52**
